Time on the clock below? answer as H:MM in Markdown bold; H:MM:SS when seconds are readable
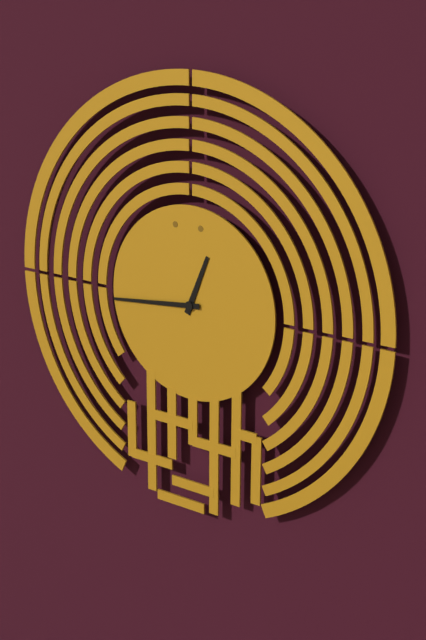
**12:44**
